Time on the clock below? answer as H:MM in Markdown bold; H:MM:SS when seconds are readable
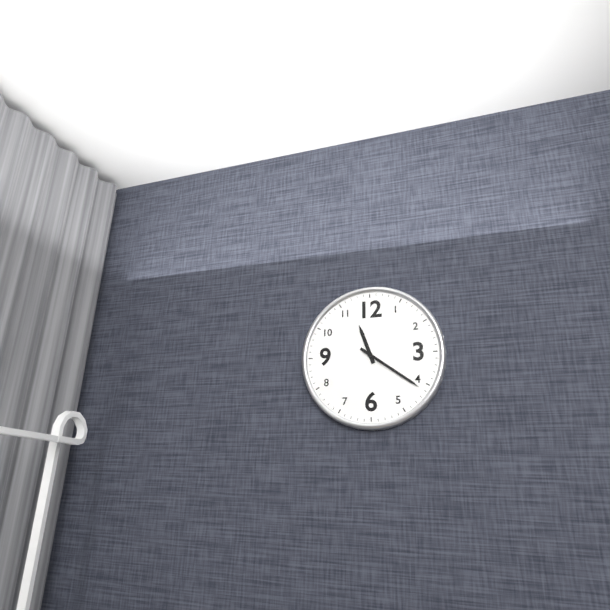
**11:21**
